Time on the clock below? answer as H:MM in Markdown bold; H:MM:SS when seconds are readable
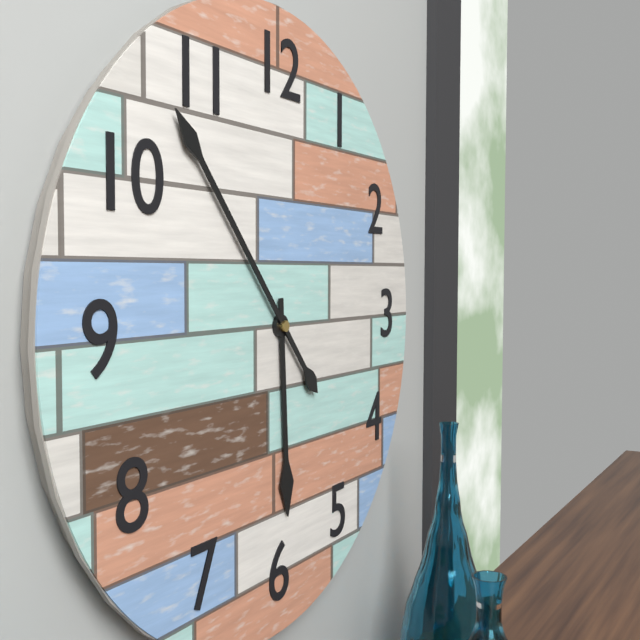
**5:53**
